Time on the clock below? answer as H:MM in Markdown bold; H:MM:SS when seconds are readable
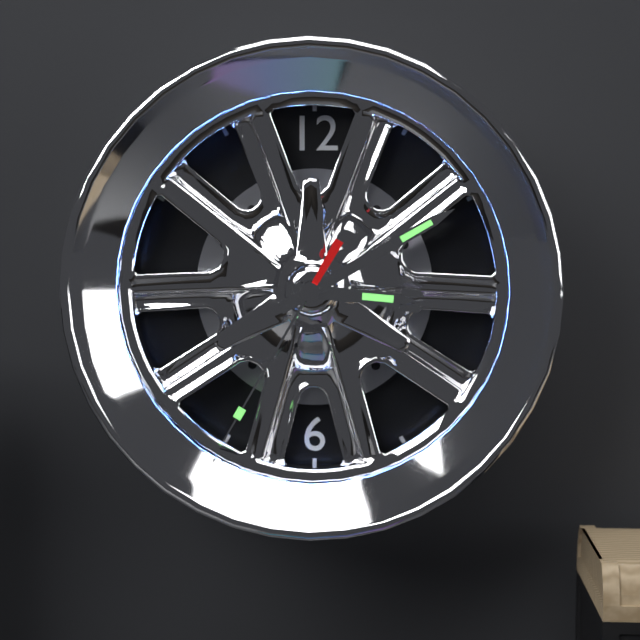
**3:10:35**
